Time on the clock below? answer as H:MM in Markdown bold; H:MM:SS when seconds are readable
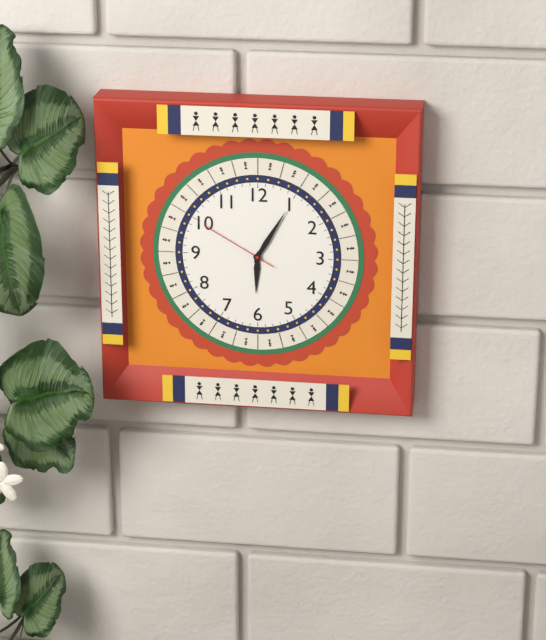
**6:05:50**
